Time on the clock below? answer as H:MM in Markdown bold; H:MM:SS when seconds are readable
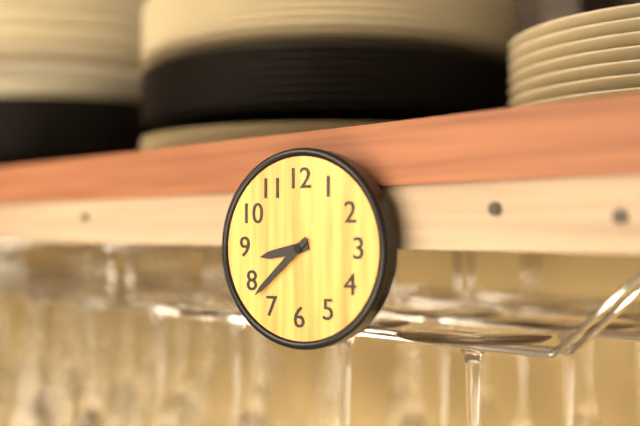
**8:38**
